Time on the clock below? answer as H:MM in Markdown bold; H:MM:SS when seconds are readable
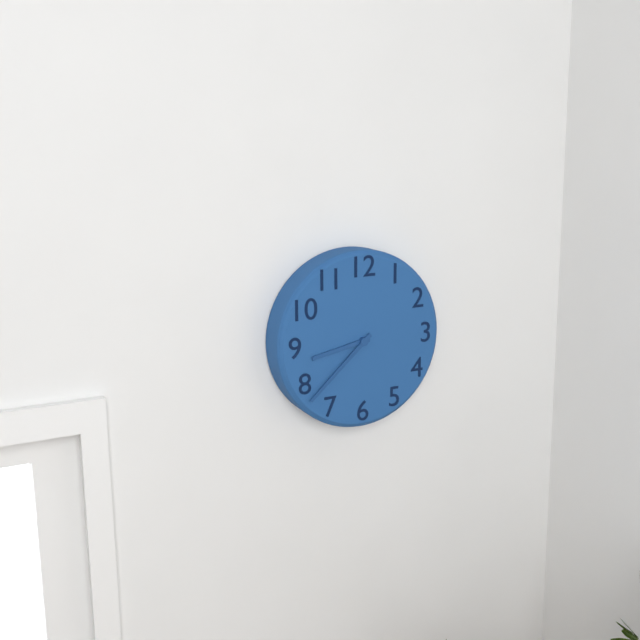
**8:38**
